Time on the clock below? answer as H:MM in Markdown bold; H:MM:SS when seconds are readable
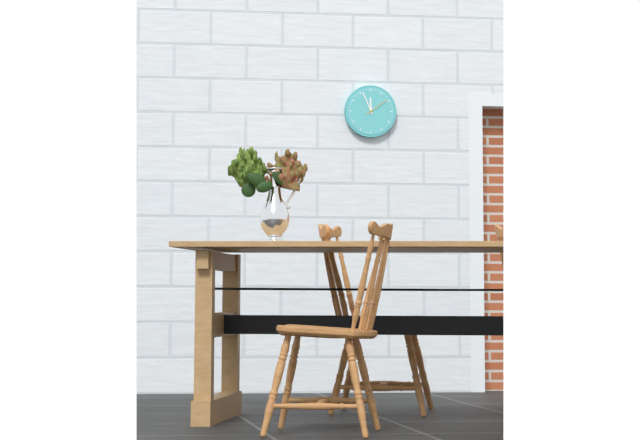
**11:56**
